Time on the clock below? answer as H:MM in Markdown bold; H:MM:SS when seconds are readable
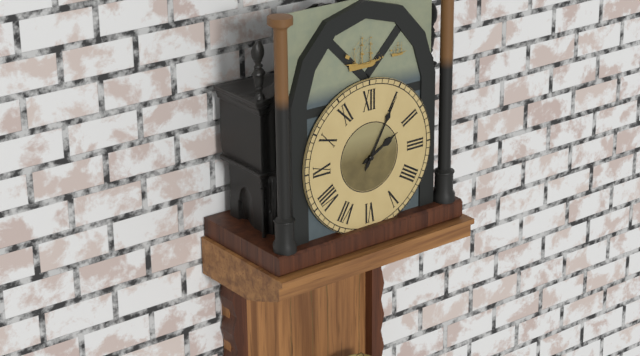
**2:05**
